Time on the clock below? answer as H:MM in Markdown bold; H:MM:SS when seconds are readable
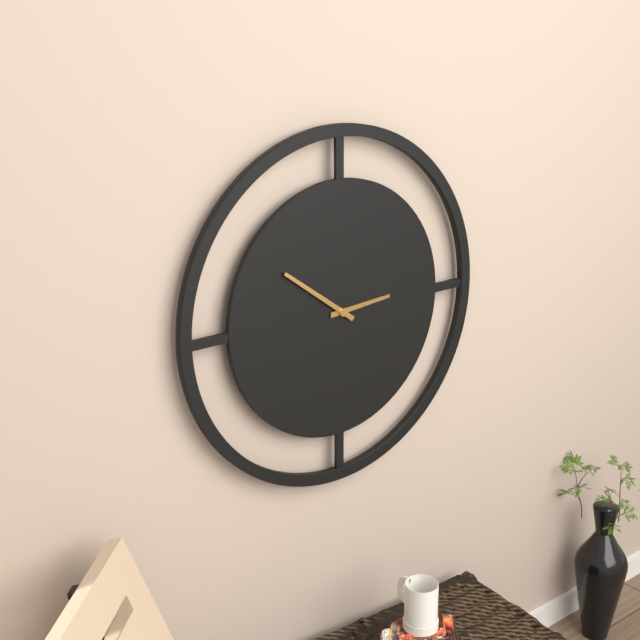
**2:51**
